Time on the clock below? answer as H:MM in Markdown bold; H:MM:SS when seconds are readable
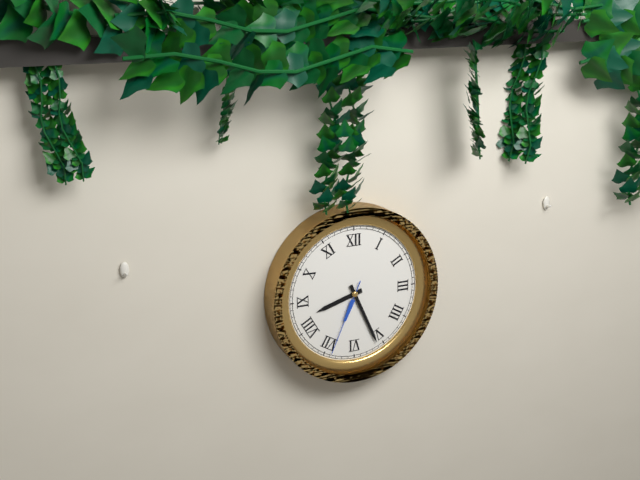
**8:26:34**
